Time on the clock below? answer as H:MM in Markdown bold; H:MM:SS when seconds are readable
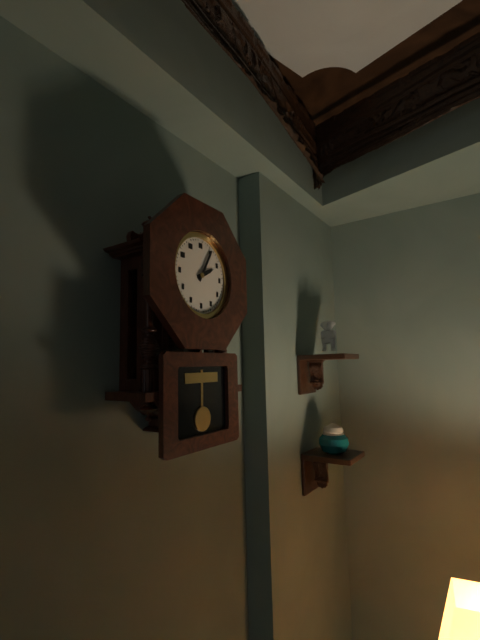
**2:05**
